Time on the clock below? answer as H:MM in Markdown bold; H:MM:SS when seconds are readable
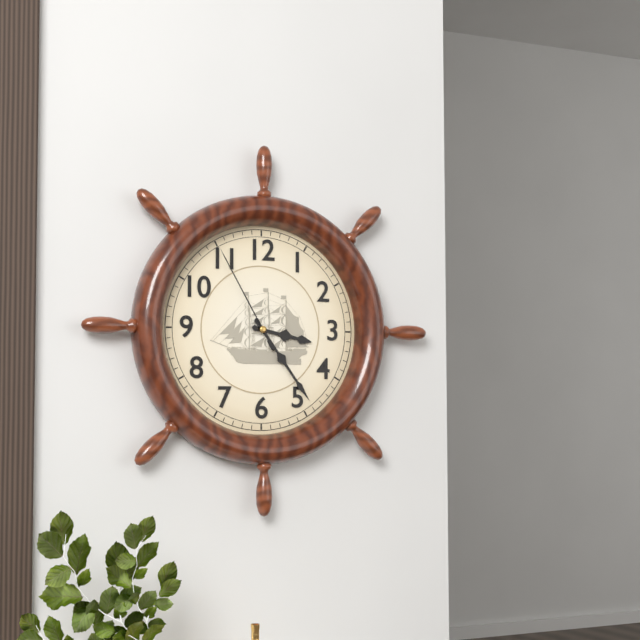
**3:24:55**
